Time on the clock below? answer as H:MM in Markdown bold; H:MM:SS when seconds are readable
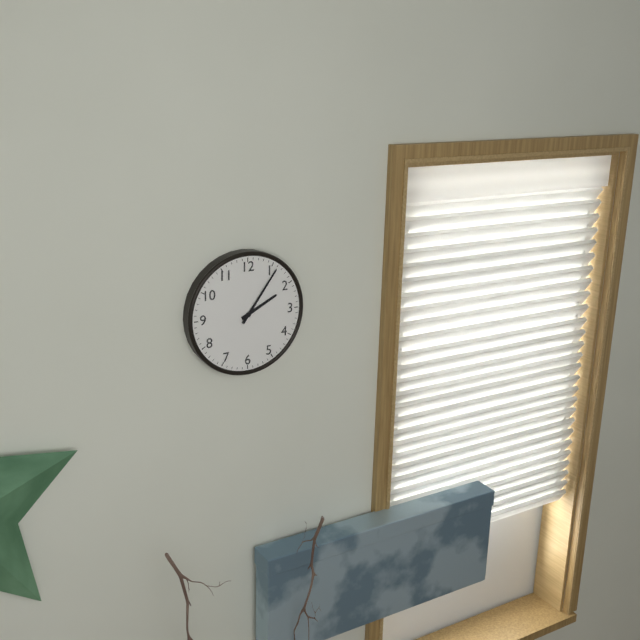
**2:06**
